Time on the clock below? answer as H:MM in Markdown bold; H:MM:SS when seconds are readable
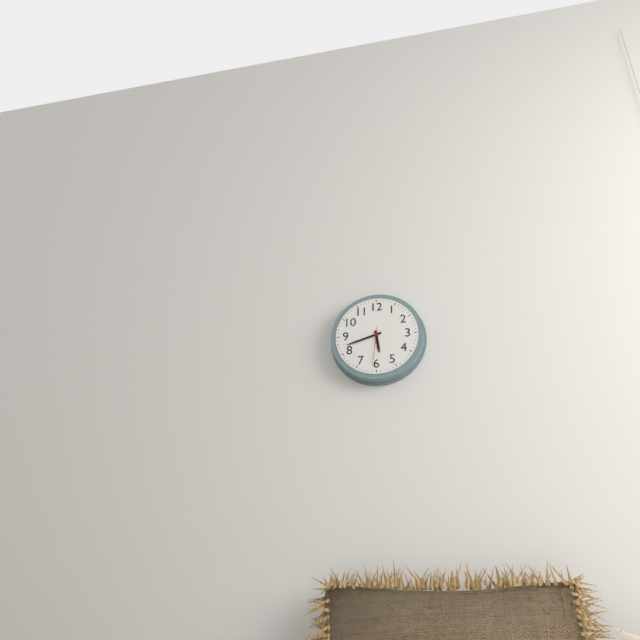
**5:42**
